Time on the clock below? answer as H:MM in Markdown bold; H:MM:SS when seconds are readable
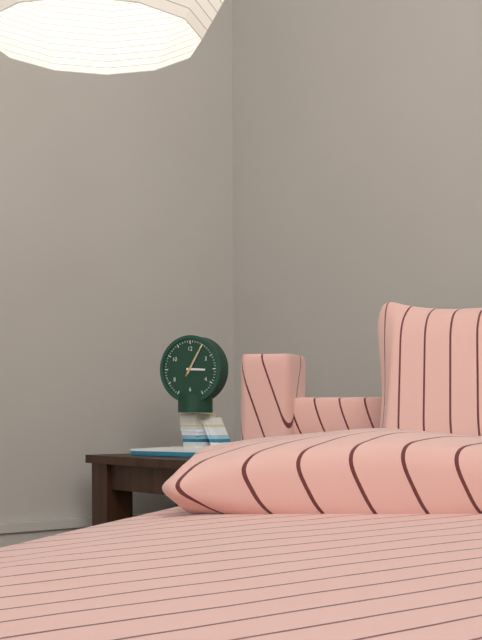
**3:05**
